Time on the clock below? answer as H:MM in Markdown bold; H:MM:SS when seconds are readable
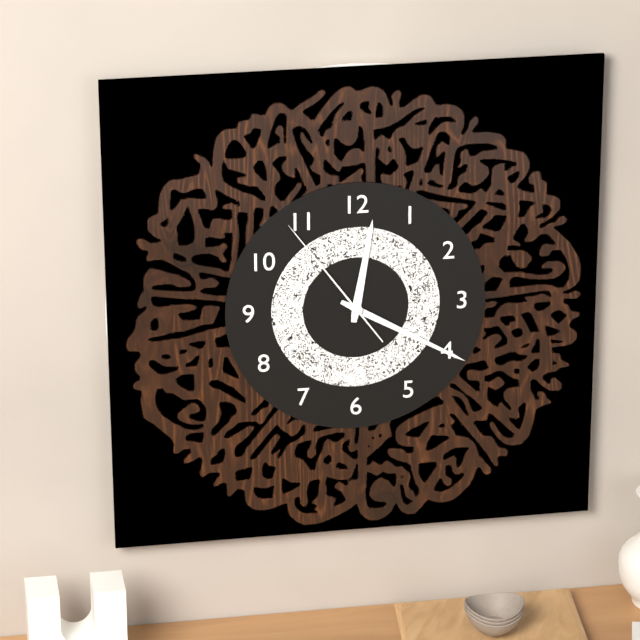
**12:20:54**
